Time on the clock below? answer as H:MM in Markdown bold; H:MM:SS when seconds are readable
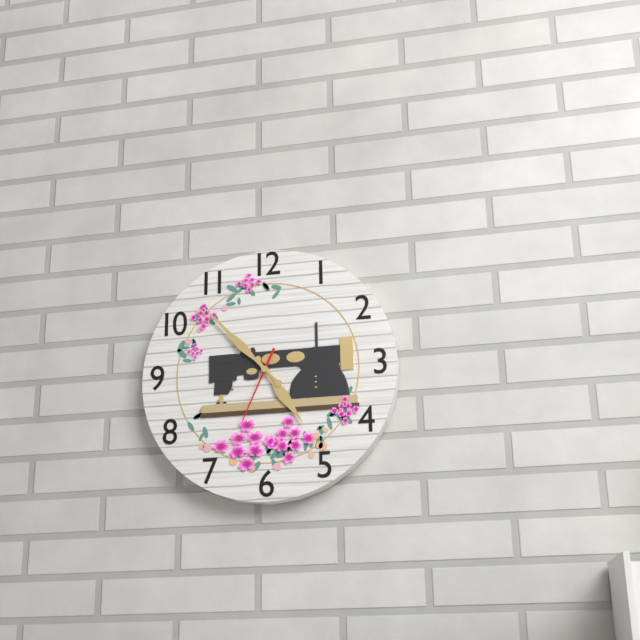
**4:53:34**
